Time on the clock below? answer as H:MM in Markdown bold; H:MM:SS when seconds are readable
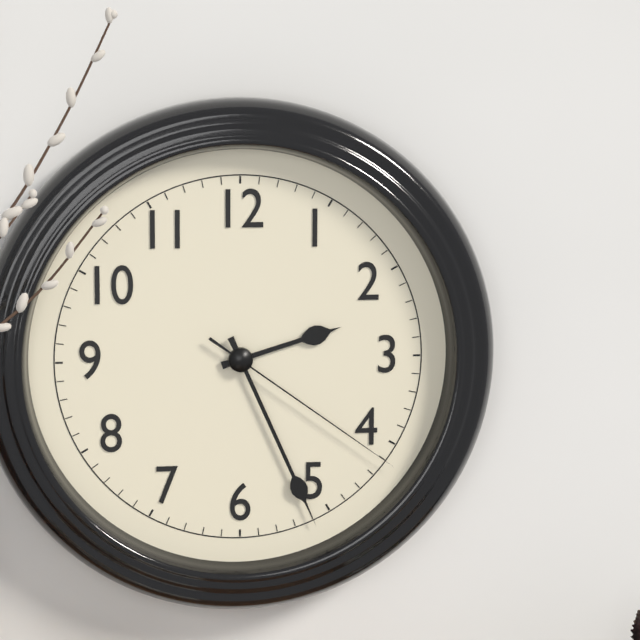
**2:26:21**
